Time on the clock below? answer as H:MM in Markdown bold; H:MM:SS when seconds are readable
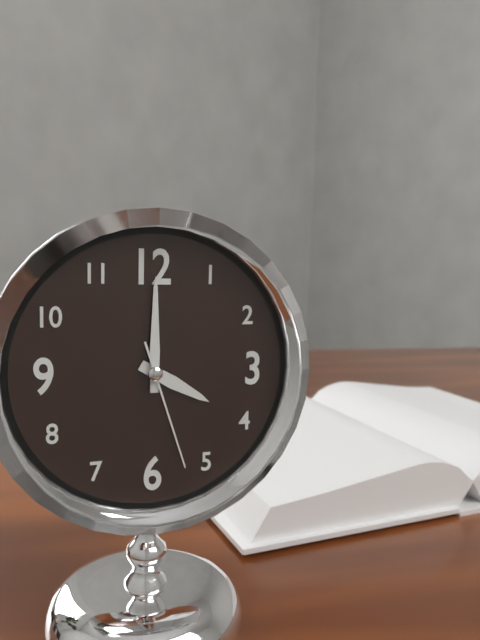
**4:00:27**
